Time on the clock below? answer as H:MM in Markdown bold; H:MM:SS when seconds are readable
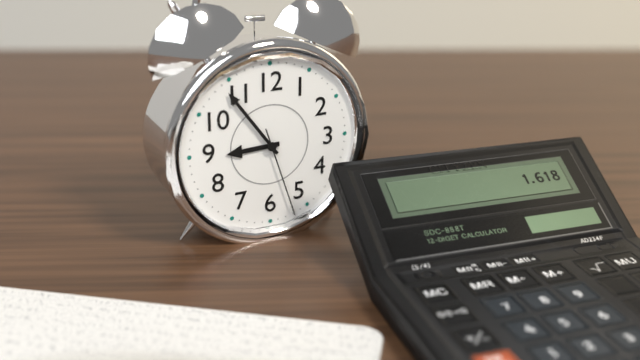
**8:54:27**
